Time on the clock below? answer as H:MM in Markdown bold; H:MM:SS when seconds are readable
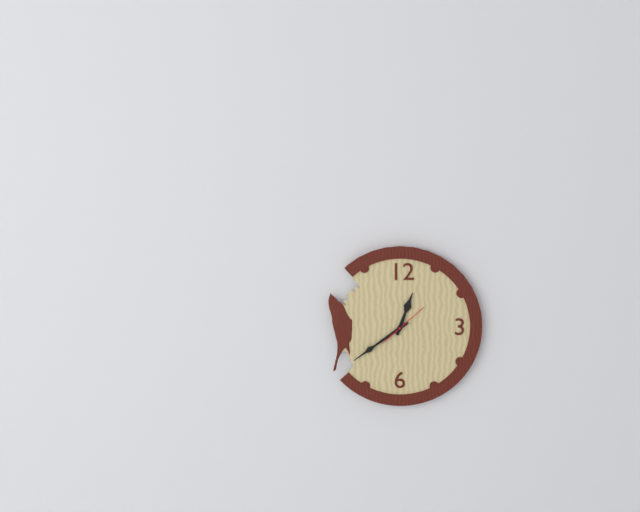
**12:39**
